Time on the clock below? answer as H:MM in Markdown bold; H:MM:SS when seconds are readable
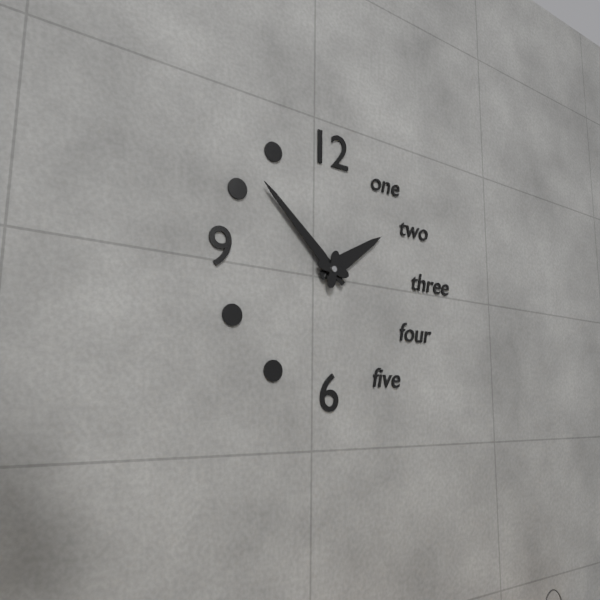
**1:52**
